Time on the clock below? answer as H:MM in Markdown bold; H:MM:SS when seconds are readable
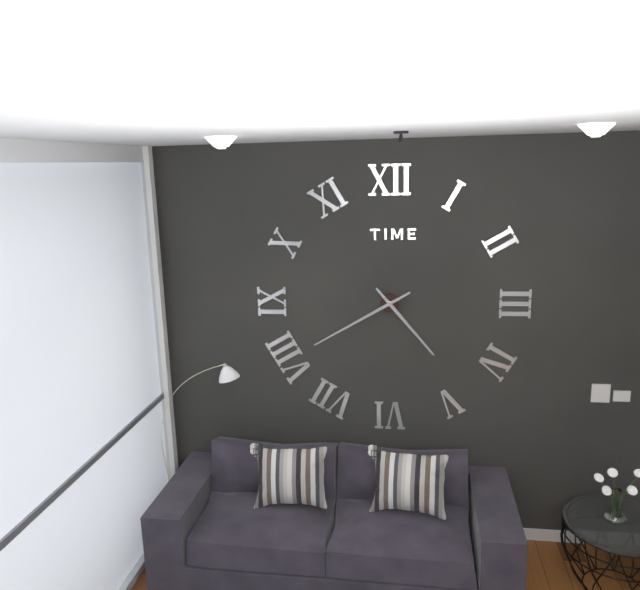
**4:40**
